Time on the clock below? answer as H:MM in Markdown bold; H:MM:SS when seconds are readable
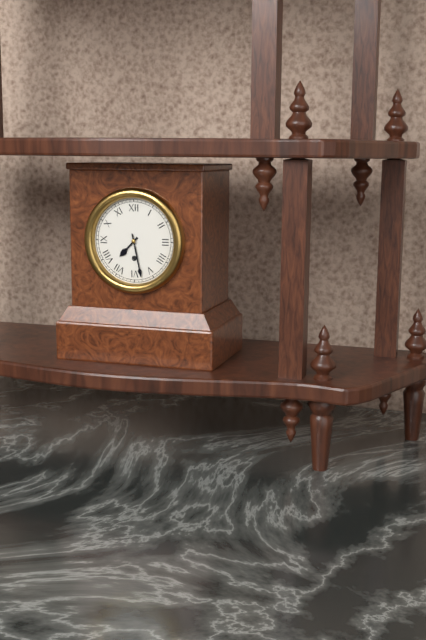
**7:28**
